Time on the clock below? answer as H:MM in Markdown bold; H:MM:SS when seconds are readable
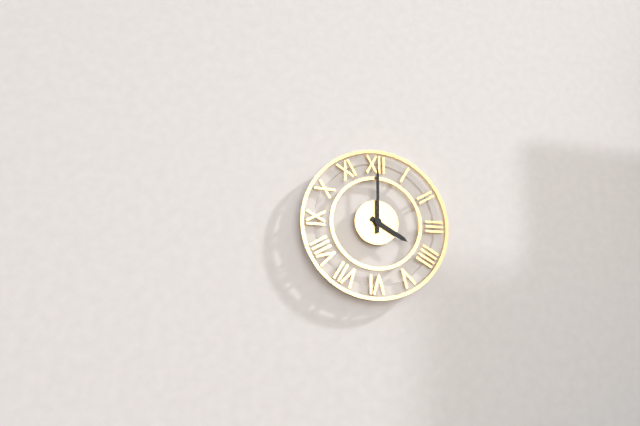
**4:00**
